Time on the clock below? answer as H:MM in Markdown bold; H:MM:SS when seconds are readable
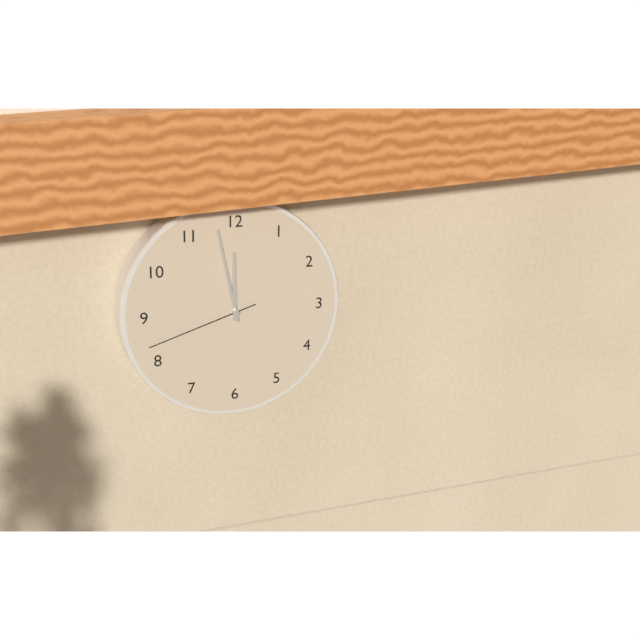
**11:58:42**
